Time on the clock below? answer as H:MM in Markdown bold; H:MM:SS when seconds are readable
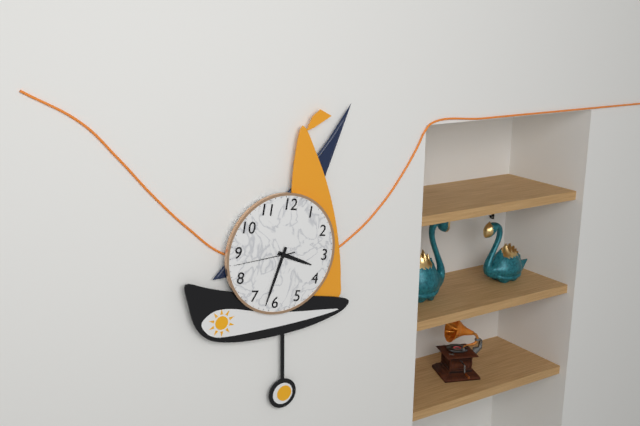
**3:32:43**
